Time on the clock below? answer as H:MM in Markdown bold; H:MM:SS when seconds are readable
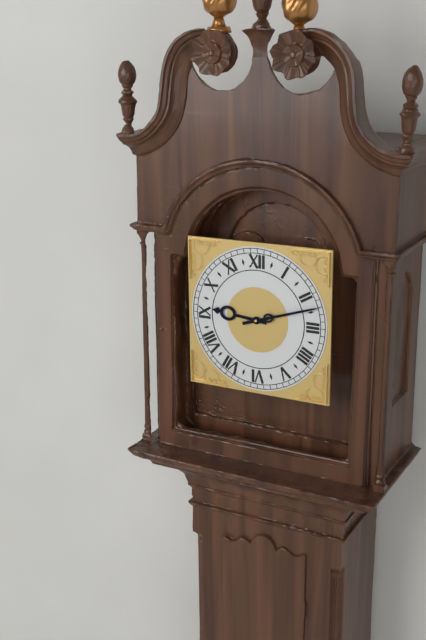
**9:12**
